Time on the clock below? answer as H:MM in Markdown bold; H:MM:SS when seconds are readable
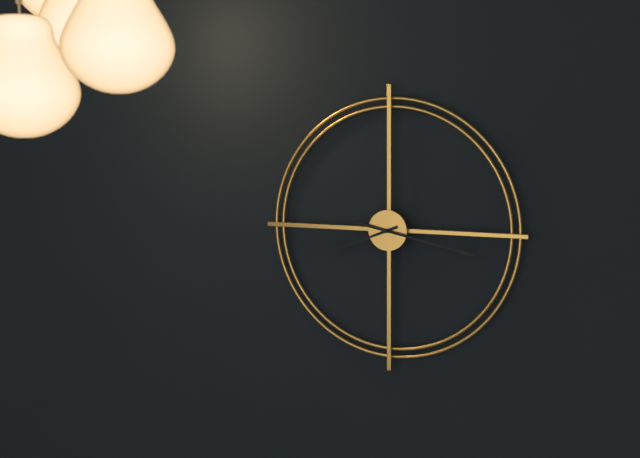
**8:17**
